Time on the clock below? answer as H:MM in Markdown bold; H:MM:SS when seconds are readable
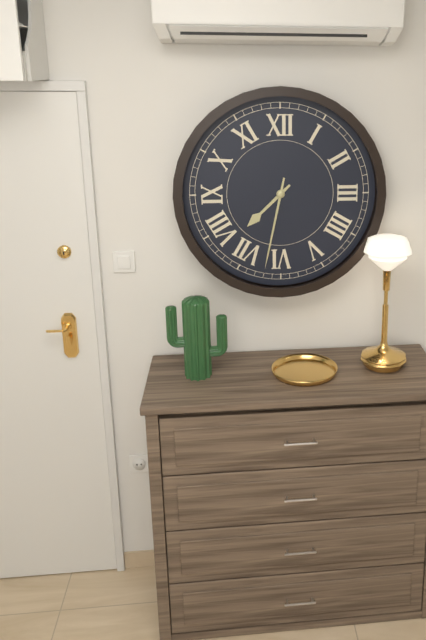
**7:32**
